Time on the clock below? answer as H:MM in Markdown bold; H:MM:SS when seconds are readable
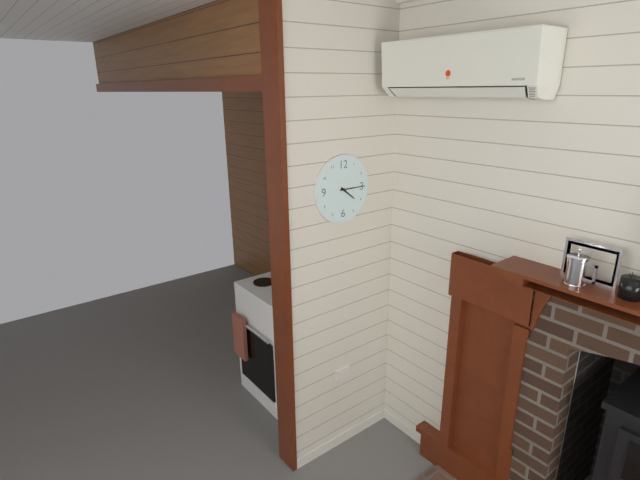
**4:15**
